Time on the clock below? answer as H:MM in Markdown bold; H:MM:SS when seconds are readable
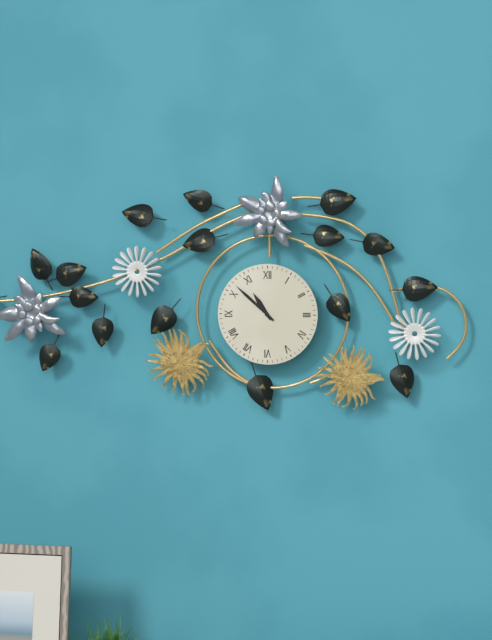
**10:52**
